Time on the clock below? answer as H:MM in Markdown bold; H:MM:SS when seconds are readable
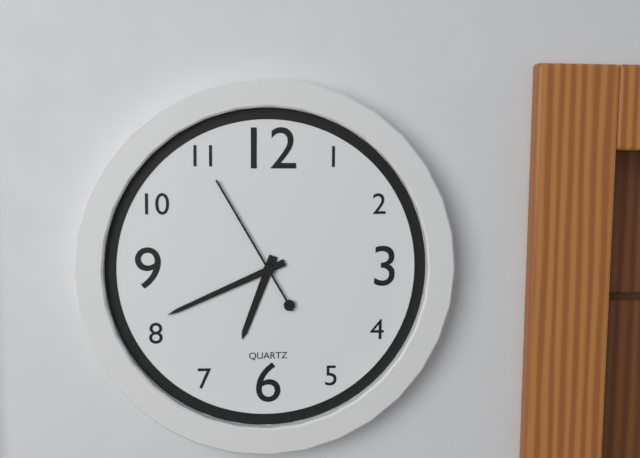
**6:41:55**
